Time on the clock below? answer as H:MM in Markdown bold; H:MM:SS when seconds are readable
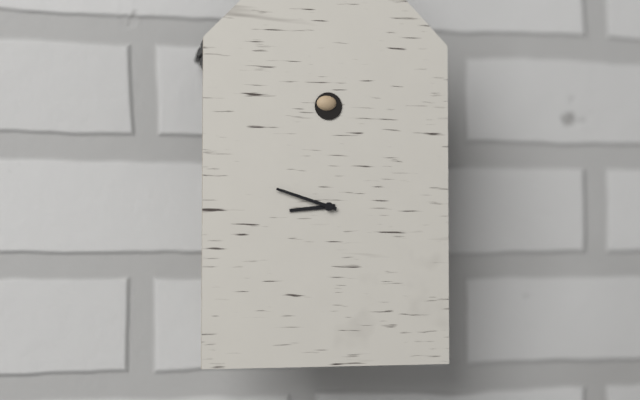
**8:48**
